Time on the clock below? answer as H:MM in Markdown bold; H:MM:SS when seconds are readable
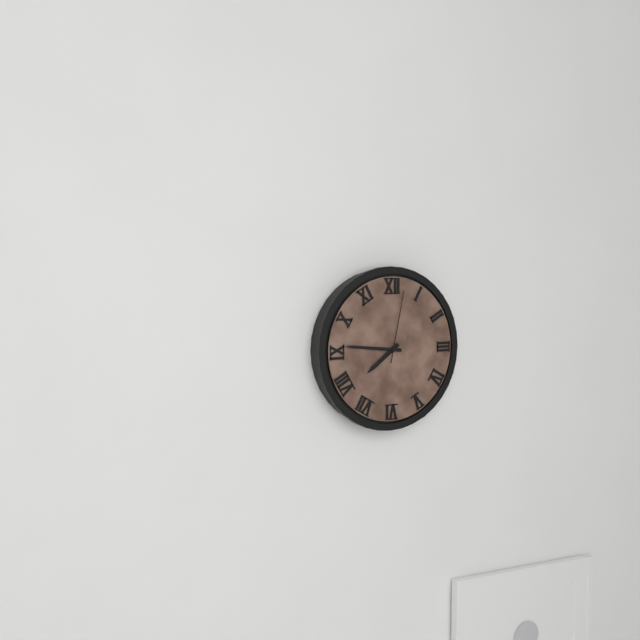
**7:46:02**
